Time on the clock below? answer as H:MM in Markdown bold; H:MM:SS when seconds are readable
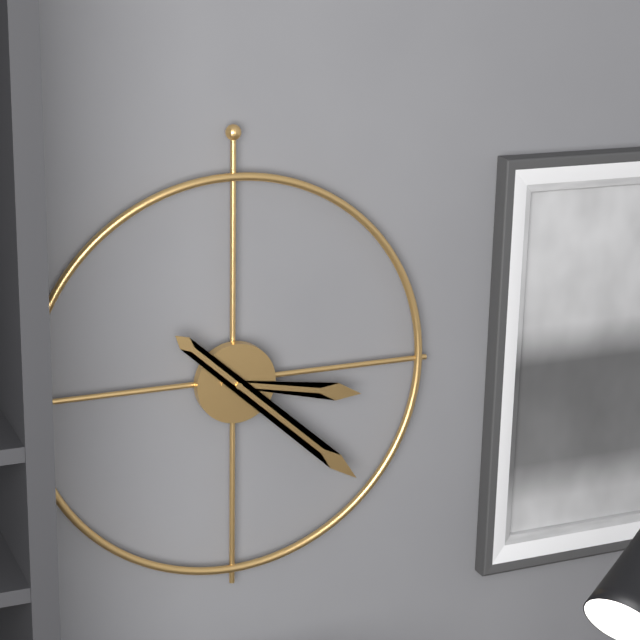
**3:22**
